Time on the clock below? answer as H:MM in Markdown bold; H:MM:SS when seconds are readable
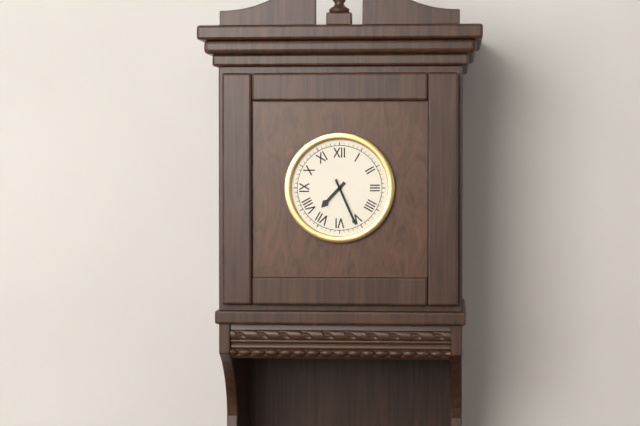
**7:26**
